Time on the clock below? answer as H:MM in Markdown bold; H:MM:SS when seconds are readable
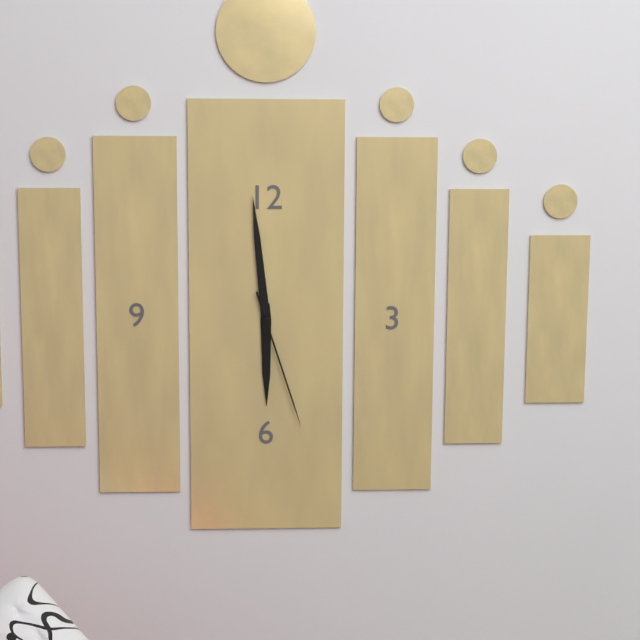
**5:59:27**
